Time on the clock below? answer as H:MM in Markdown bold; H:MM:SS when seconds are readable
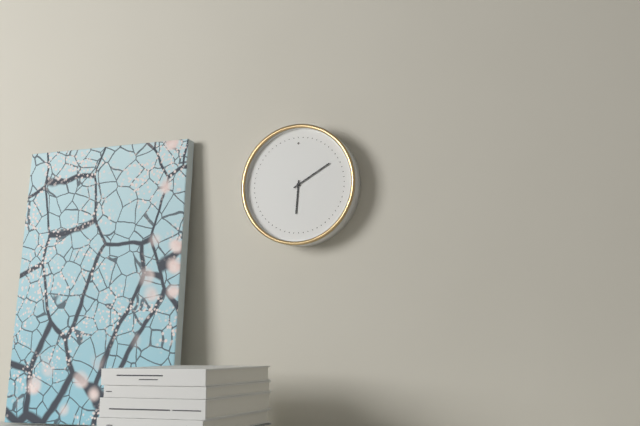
**6:10**
